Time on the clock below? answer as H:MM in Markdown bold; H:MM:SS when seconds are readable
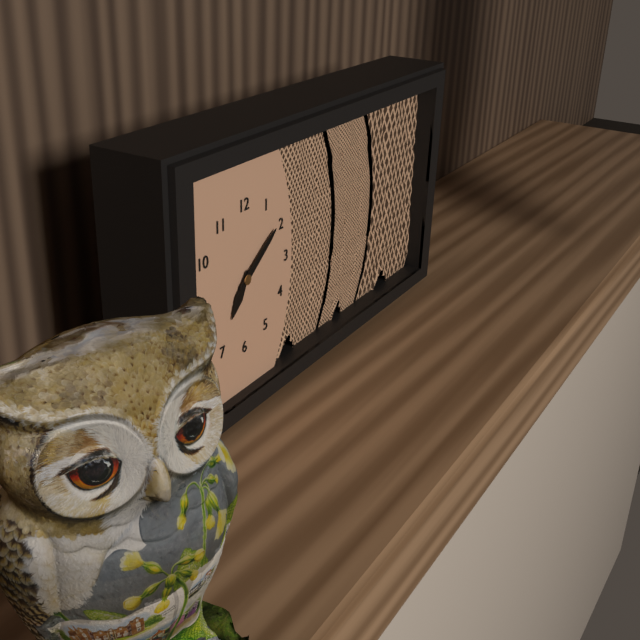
**7:09**
